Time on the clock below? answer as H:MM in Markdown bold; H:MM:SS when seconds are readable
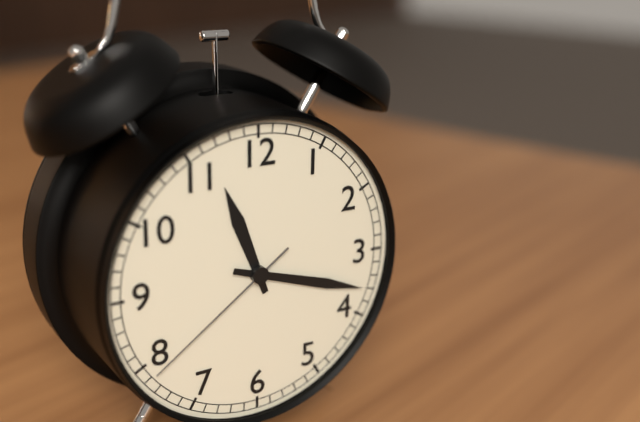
**11:18:39**
